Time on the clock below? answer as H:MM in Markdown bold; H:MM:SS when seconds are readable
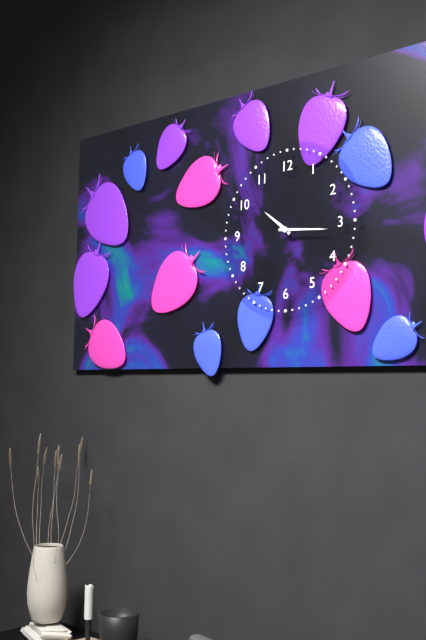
**10:16**
